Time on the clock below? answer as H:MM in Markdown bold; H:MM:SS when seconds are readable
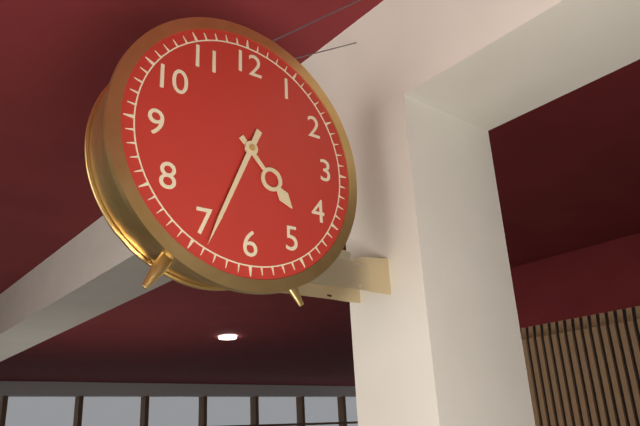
**4:34**
